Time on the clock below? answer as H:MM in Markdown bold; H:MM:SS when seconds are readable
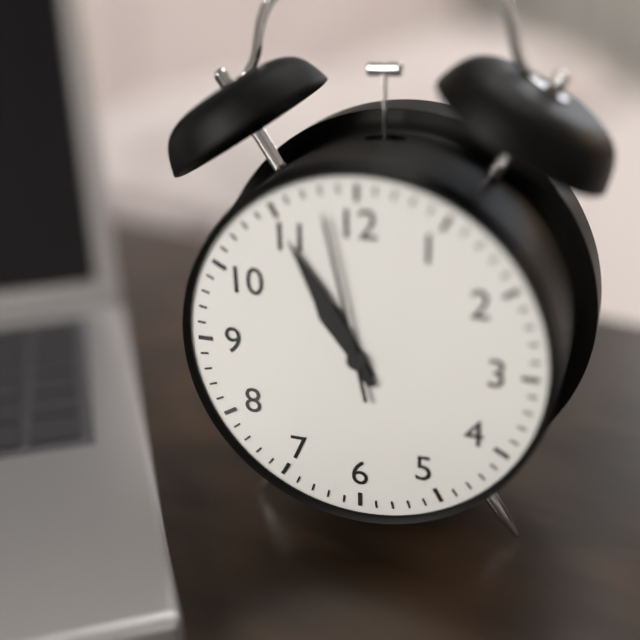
**10:55:58**
